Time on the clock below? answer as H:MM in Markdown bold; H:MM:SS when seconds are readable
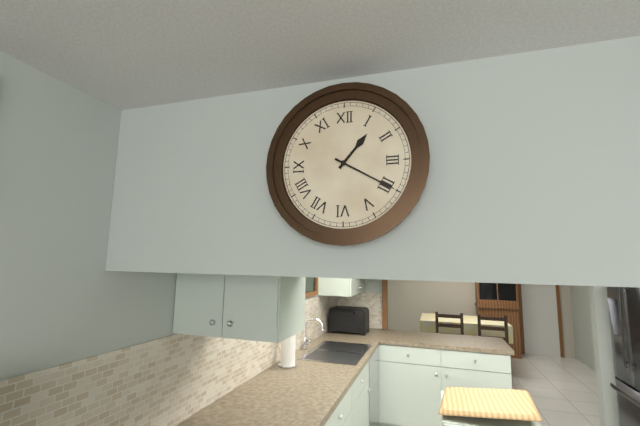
**1:20**
